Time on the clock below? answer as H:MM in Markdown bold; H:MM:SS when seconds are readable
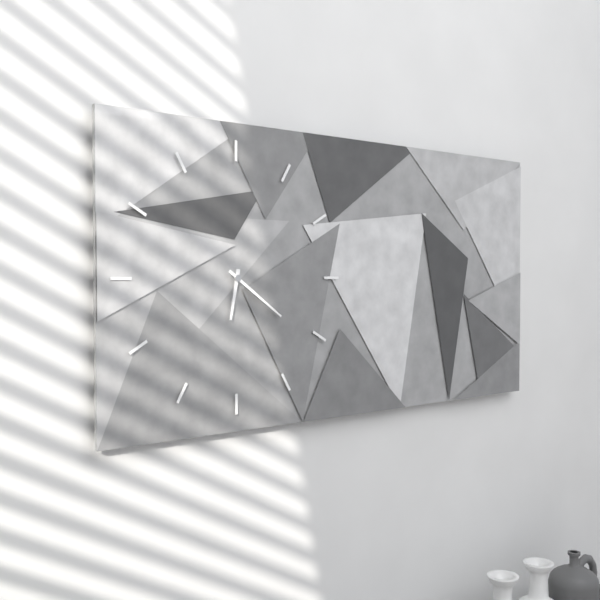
**6:21**
